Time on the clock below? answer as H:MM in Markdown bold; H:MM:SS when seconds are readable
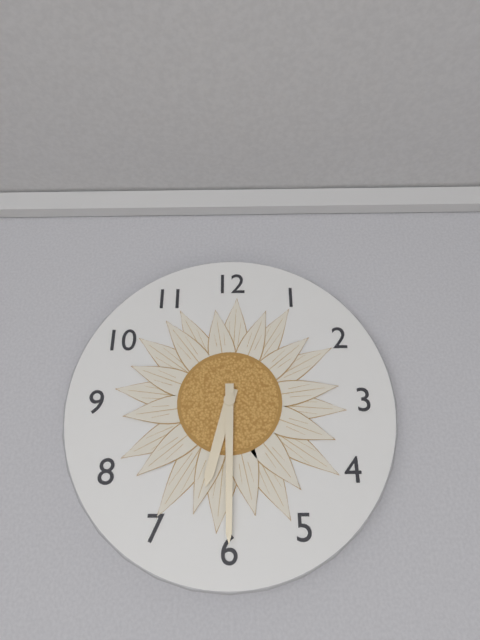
**6:30**
